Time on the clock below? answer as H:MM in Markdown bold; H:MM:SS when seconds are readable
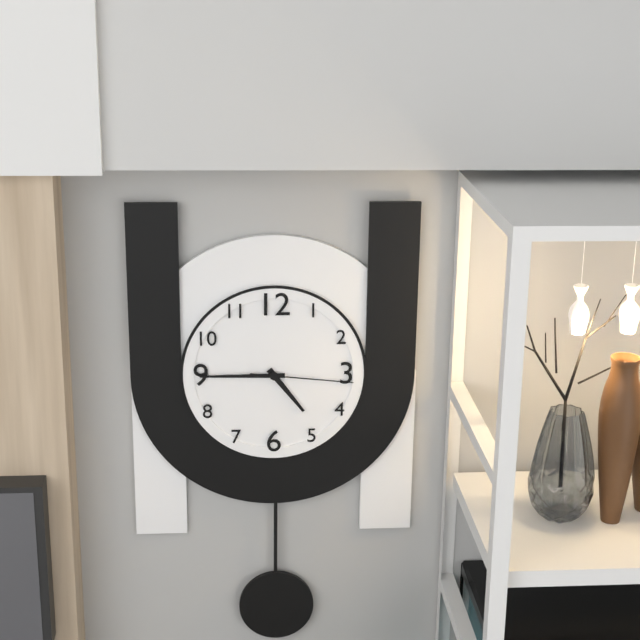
**4:45:16**
